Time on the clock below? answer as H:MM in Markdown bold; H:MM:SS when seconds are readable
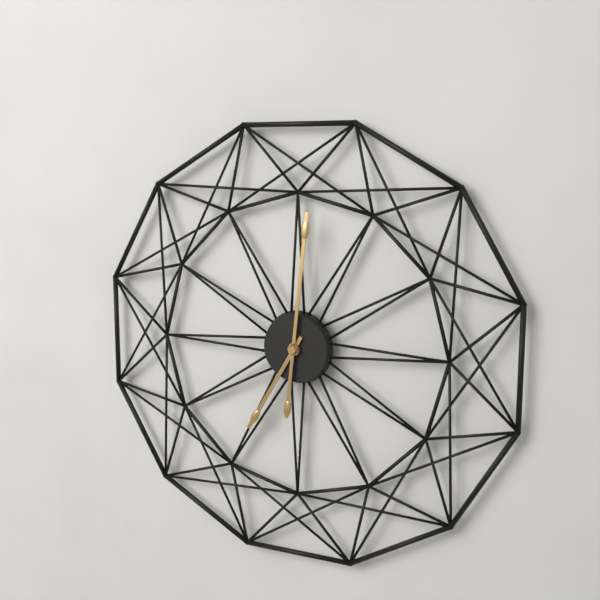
**7:01**
